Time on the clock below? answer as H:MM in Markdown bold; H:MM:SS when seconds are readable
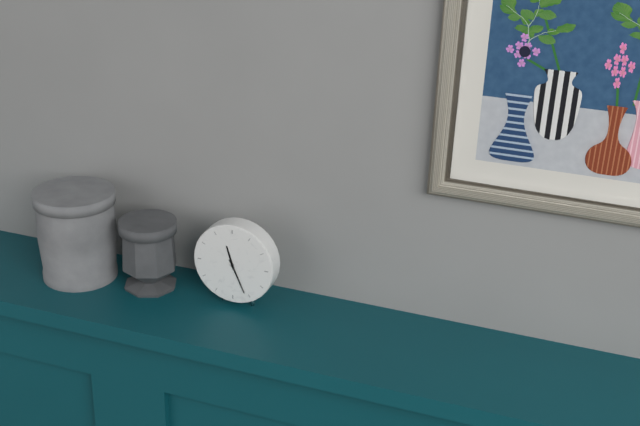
**11:26**
